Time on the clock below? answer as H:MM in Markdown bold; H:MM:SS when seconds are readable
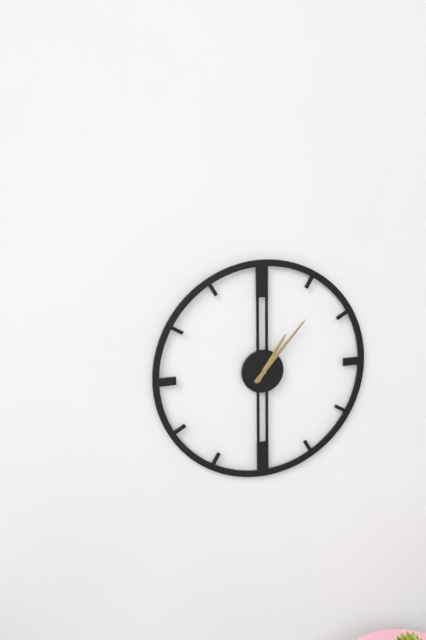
**1:07**
